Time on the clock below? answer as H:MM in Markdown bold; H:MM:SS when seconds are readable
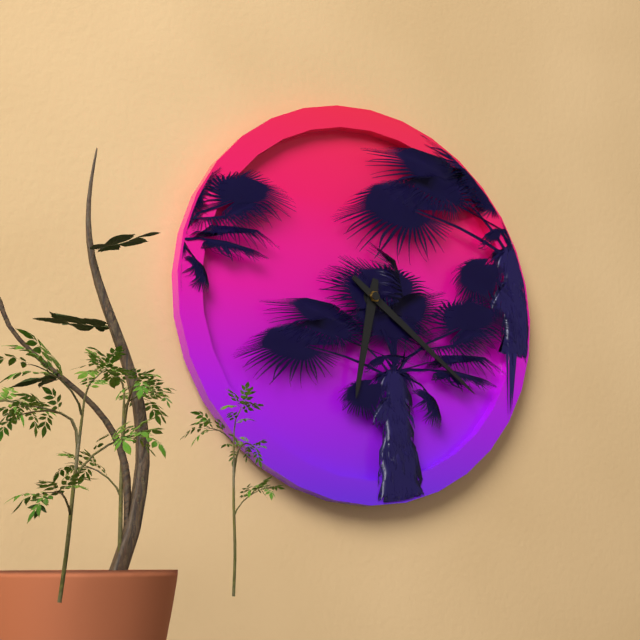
**6:21**
